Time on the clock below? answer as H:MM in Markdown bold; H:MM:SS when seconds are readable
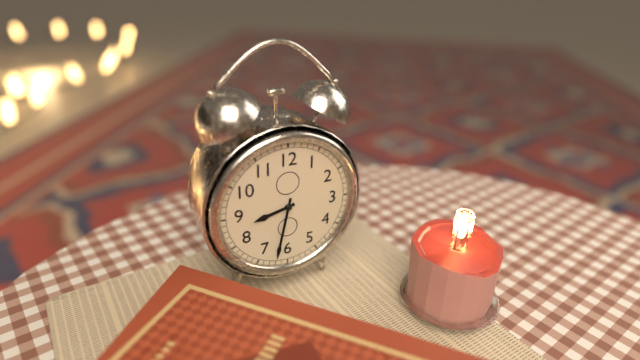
**8:32**
